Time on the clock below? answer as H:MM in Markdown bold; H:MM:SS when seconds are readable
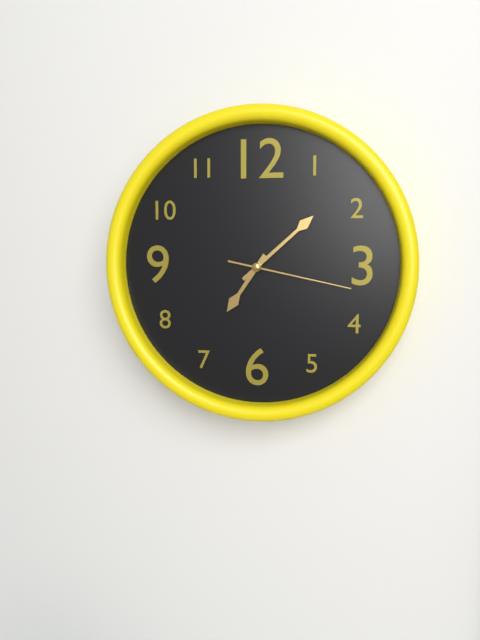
**7:08:17**
